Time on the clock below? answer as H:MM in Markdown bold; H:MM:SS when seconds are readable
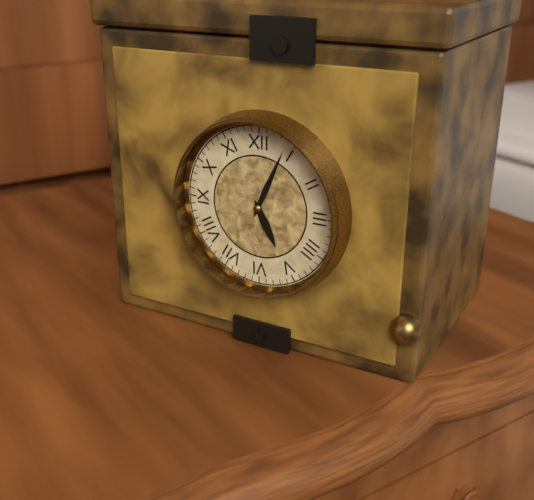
**5:04**
